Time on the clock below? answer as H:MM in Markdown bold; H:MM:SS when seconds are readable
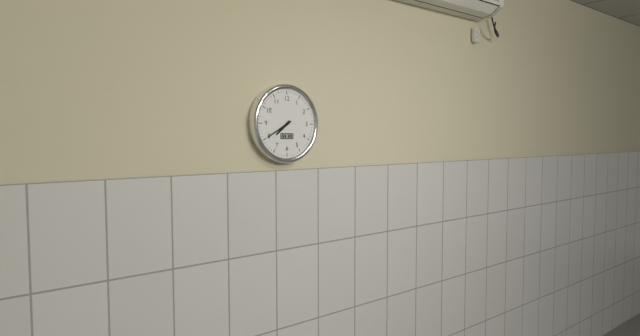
**7:40**
